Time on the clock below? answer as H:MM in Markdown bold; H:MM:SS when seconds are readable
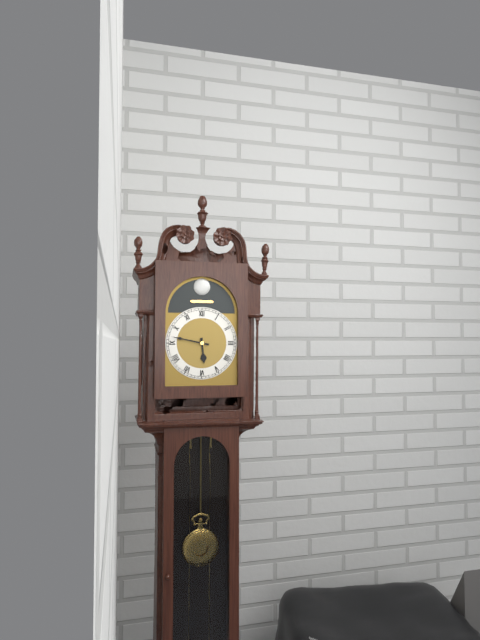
**5:47**
